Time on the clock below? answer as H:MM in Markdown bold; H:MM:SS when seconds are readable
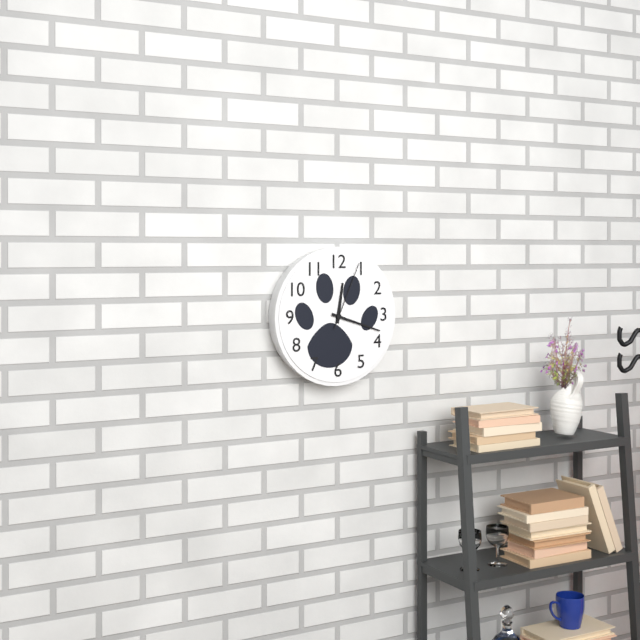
**12:18:04**
